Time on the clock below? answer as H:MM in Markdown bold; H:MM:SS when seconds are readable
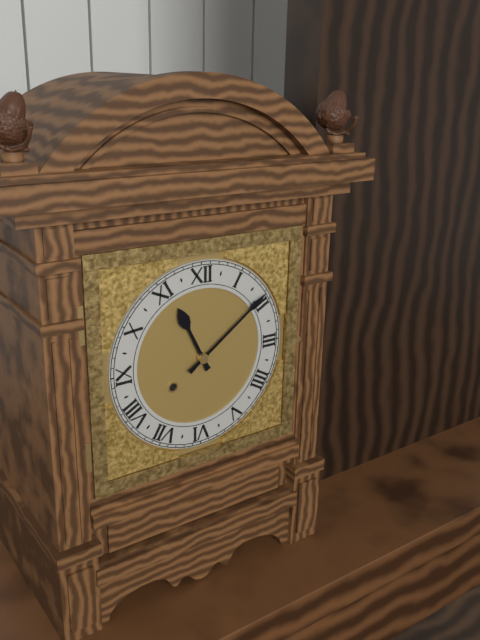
**11:09**
